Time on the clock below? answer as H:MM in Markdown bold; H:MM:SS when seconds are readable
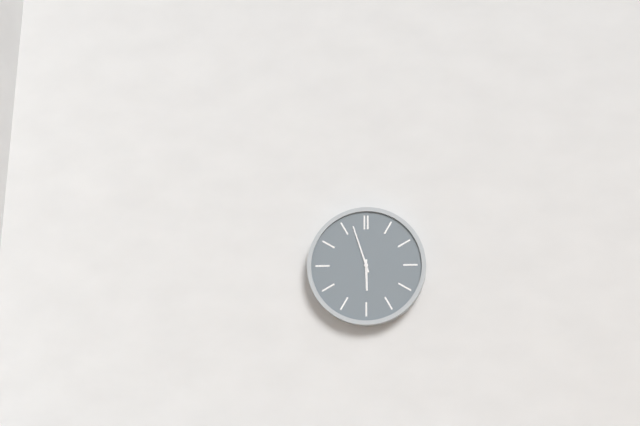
**5:57**
